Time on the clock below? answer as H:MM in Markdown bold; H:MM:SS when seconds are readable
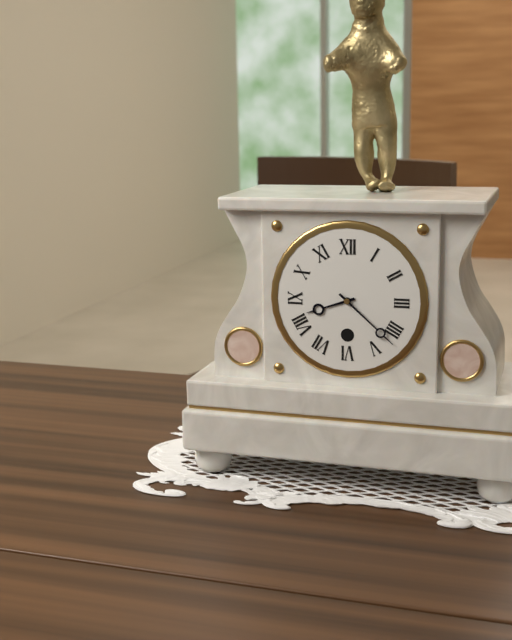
**8:22**
